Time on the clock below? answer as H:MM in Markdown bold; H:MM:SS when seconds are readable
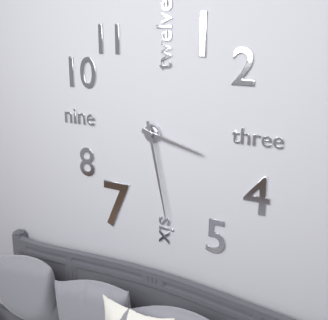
**3:28**
